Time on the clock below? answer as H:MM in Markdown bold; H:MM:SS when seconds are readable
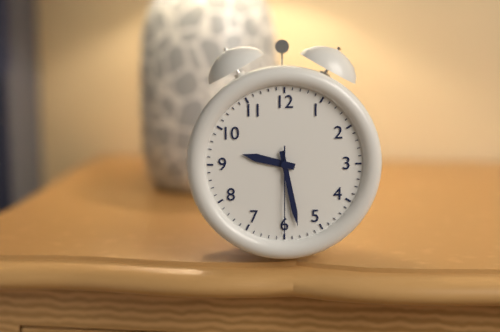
**9:28:30**
